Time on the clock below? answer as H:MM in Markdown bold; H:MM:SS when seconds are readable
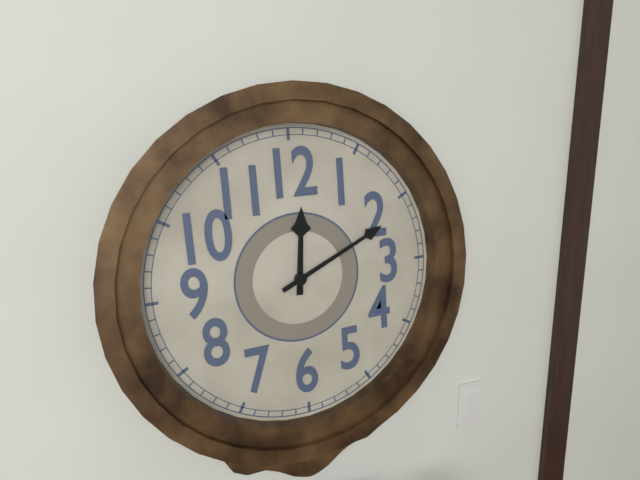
**12:11**
